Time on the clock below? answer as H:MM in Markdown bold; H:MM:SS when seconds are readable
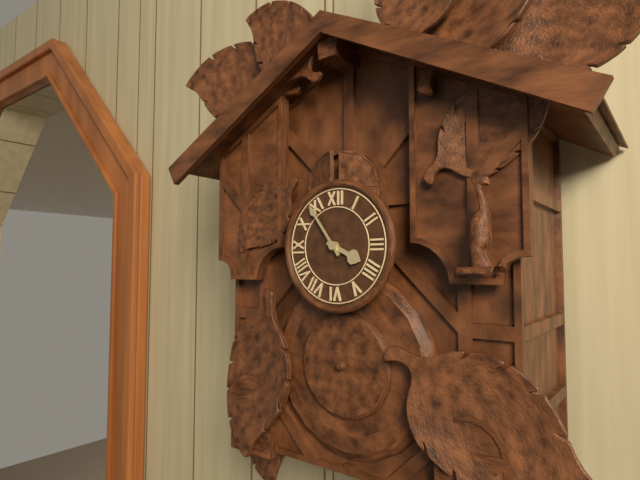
**3:54**
